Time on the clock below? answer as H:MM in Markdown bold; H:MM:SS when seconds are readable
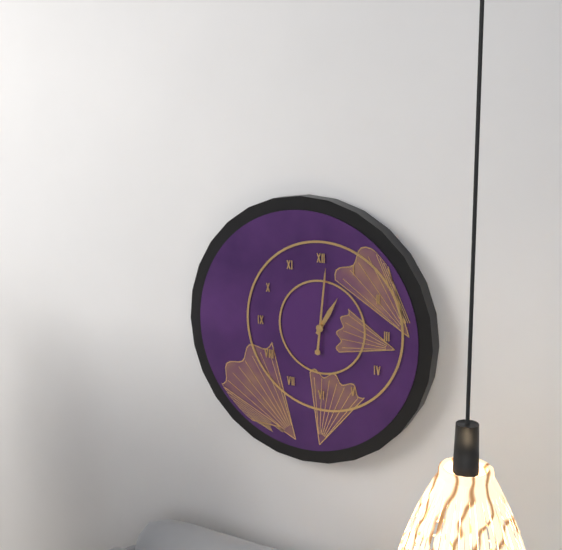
**1:01**
